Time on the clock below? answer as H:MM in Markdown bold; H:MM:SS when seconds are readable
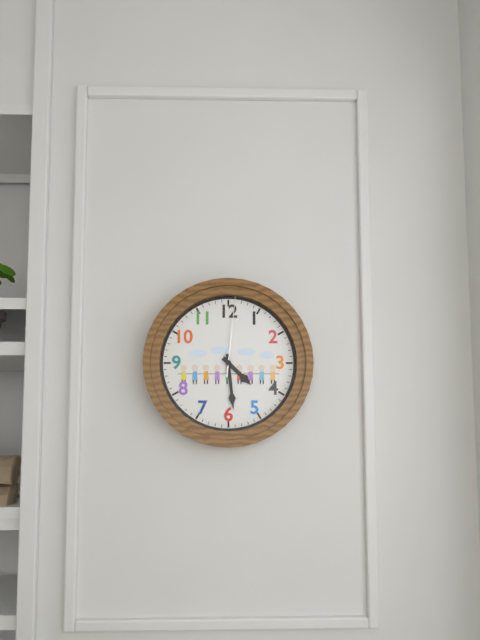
**4:29:01**
